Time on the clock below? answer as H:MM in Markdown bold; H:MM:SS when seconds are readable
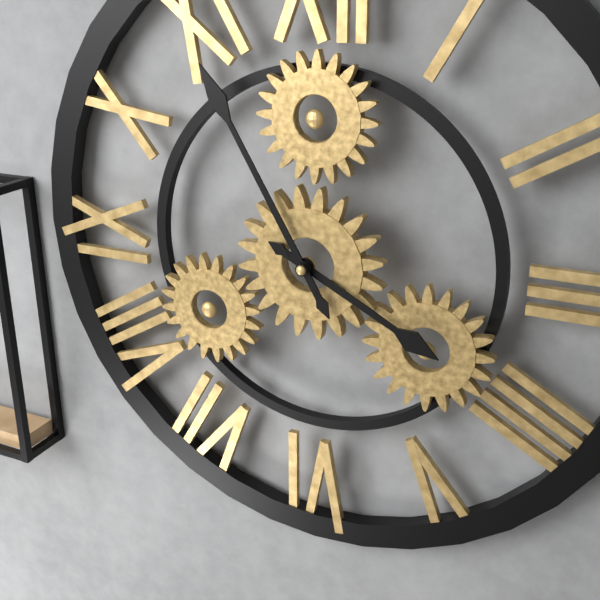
**3:55**
